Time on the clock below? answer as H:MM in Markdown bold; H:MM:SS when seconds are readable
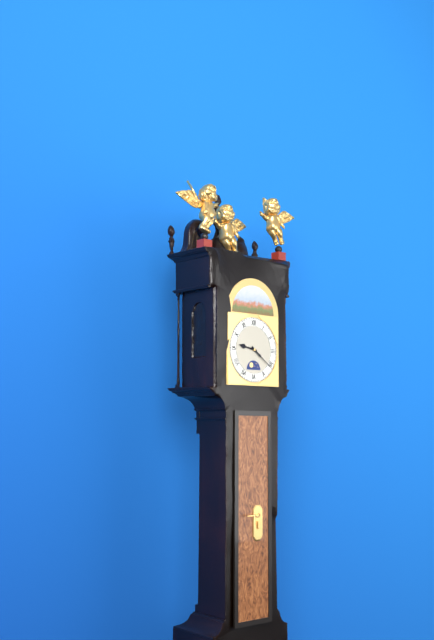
**9:21**
